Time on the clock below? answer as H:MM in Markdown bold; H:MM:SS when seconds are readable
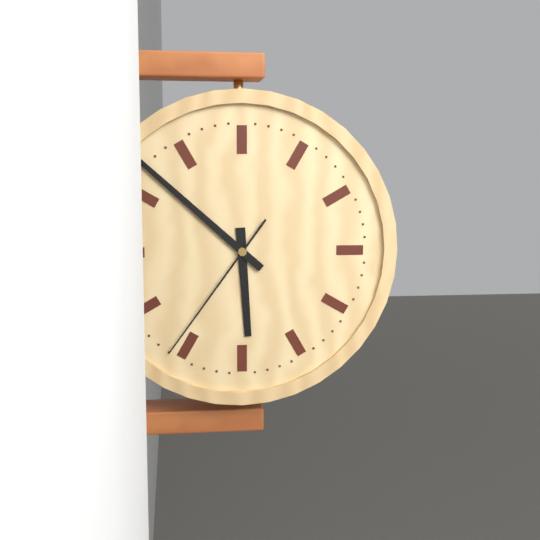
**5:52:36**
